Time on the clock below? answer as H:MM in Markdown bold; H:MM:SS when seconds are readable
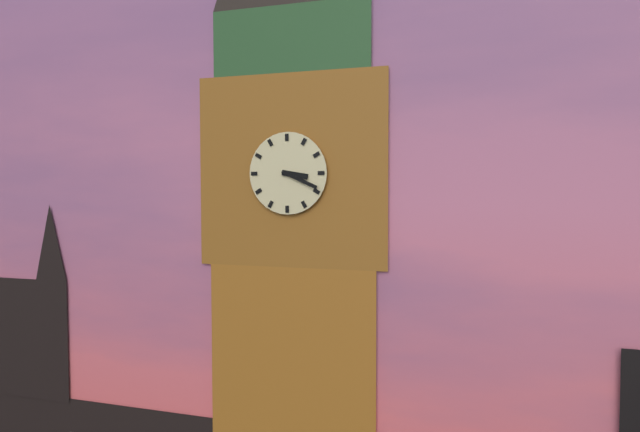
**3:19**
